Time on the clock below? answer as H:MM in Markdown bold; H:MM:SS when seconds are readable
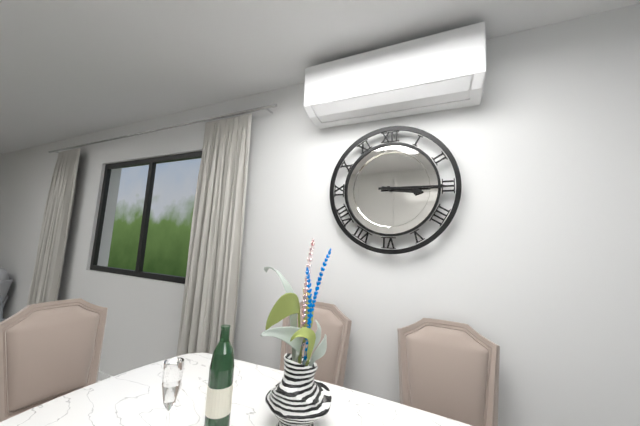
**3:15**
